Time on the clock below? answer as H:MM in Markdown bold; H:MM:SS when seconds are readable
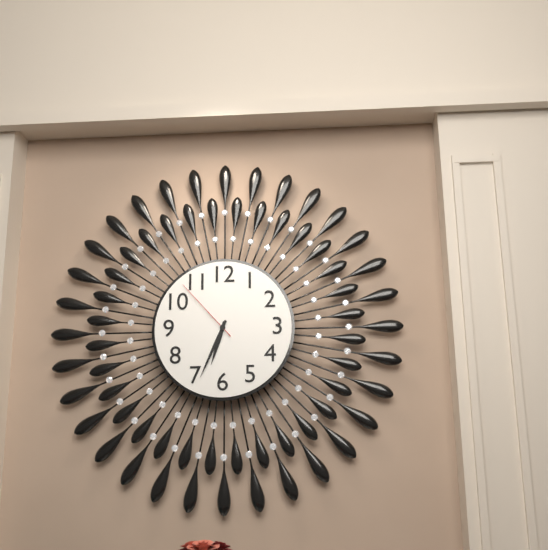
**6:34:53**
